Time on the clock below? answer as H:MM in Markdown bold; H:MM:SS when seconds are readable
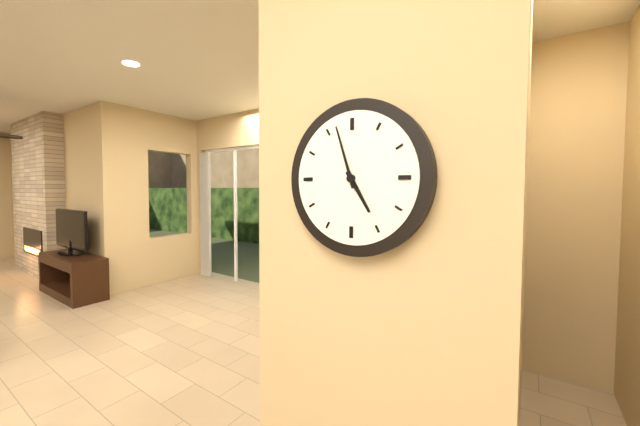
**4:57**
